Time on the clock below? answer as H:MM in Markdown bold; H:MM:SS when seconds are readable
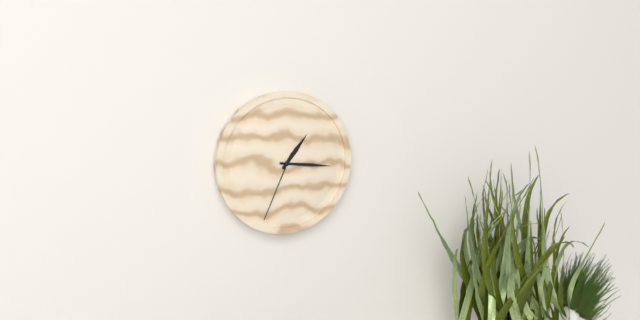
**1:16:34**
